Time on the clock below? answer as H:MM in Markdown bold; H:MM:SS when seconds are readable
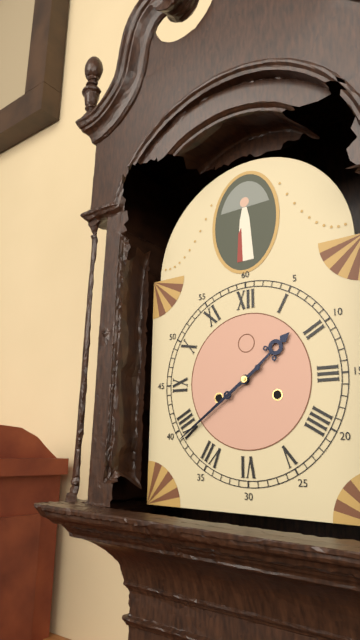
**1:39**
